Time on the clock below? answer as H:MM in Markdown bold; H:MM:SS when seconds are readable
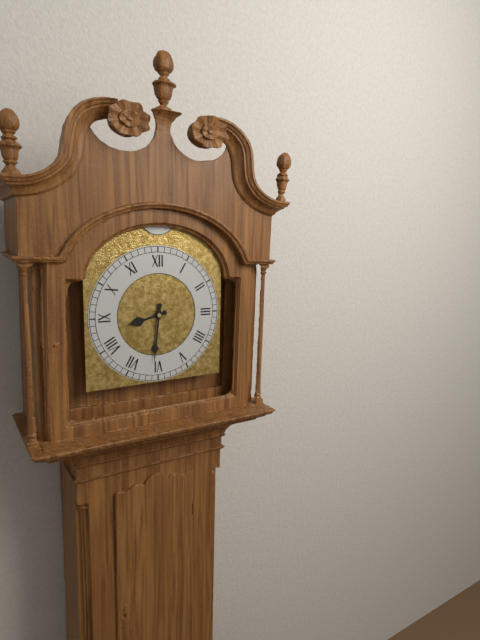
**8:31**
